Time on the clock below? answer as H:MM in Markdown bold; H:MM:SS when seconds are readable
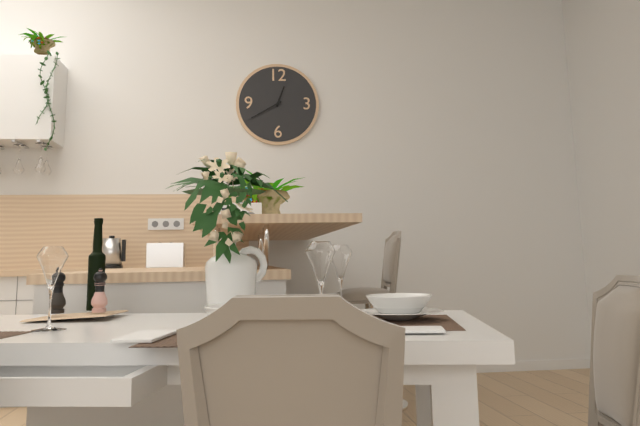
**12:40**
